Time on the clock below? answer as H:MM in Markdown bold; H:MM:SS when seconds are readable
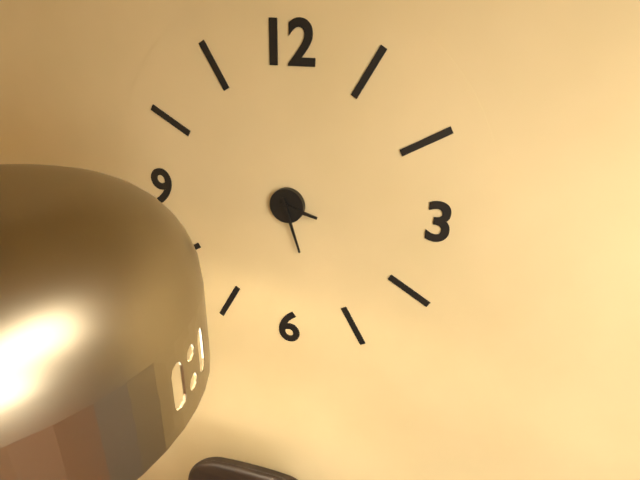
**3:27**
